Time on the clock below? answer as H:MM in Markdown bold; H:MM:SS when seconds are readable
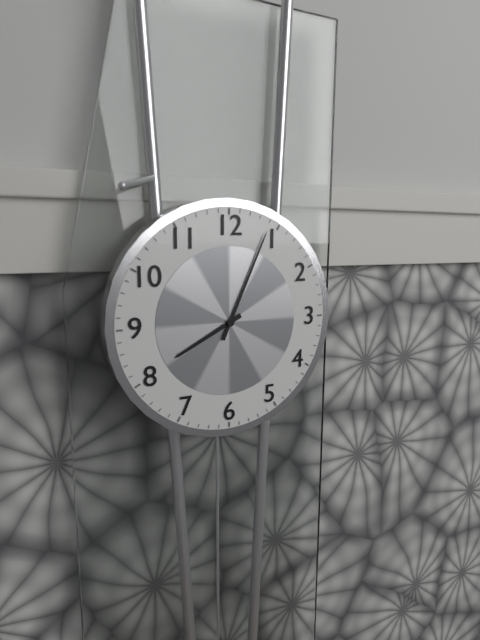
**8:04**
